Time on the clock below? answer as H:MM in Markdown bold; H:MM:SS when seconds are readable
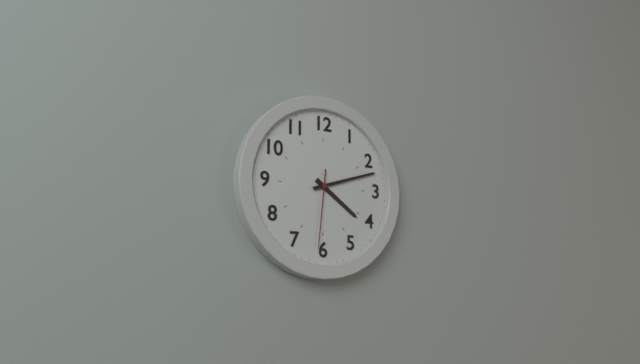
**4:12:31**
